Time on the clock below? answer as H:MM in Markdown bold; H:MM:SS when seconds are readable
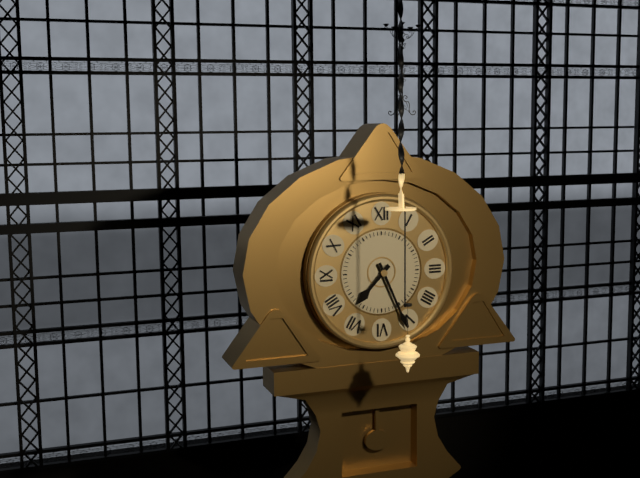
**7:26**
